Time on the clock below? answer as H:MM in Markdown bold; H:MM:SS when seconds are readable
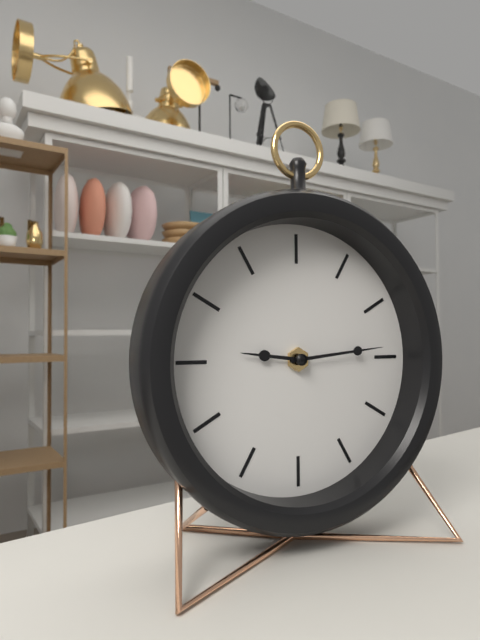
**9:14**
